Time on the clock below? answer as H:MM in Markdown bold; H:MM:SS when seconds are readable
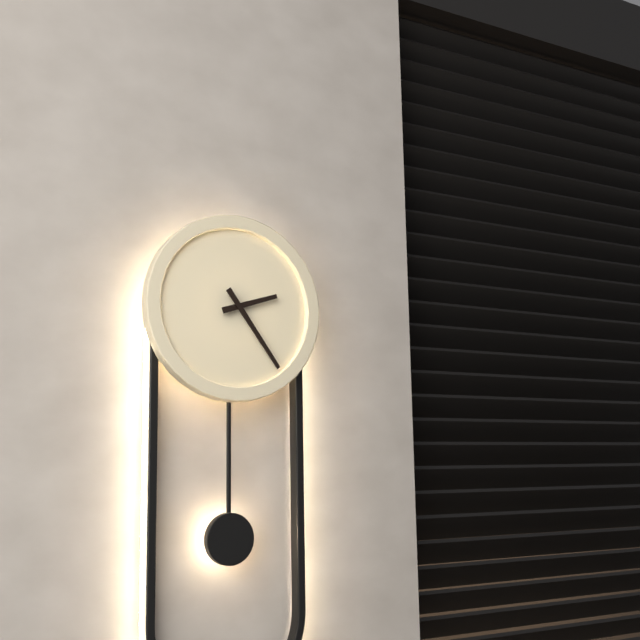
**2:24**
